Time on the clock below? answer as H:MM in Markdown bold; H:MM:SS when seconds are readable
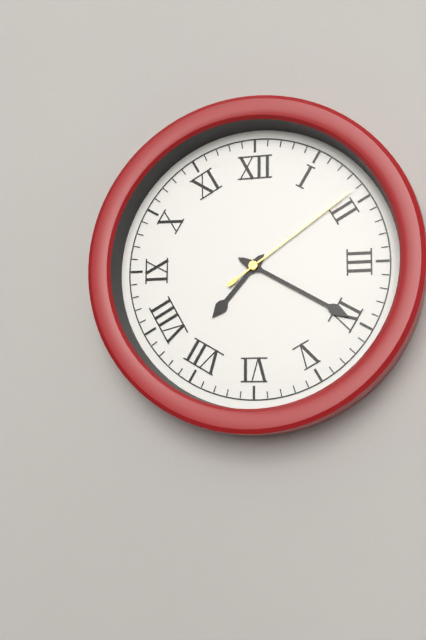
**7:20:09**
